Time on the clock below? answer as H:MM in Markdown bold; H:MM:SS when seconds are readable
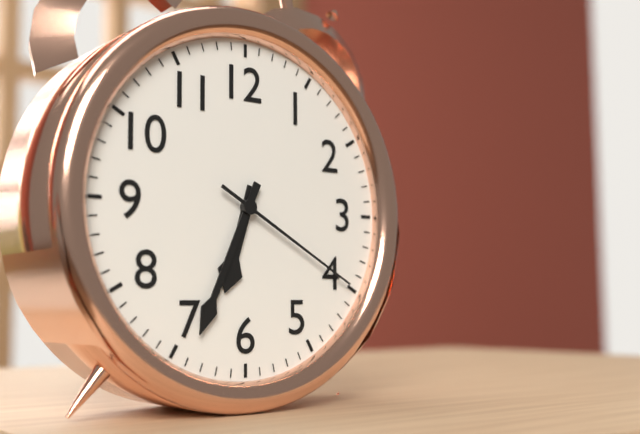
**6:34:20**
